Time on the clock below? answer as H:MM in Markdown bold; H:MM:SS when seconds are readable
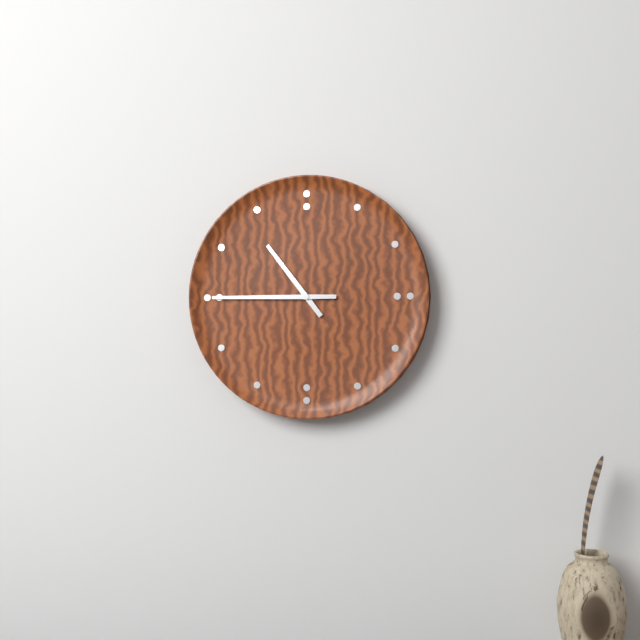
**10:45**
